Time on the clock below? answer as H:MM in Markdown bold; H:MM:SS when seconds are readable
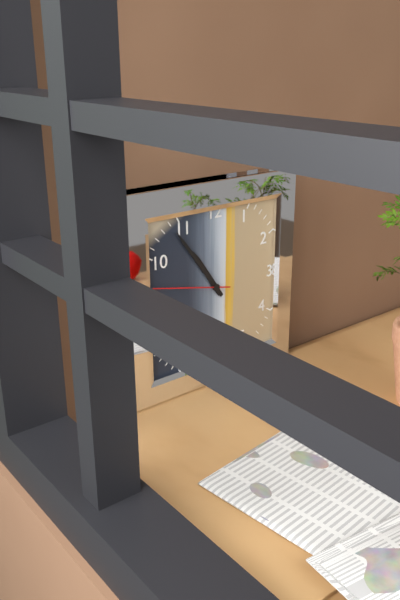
**10:54:47**
